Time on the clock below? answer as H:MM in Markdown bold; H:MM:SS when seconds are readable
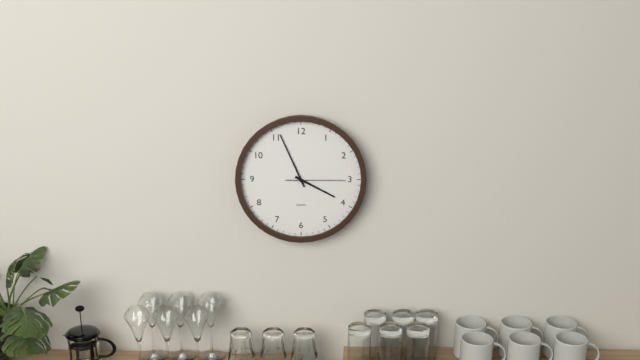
**3:56:15**
